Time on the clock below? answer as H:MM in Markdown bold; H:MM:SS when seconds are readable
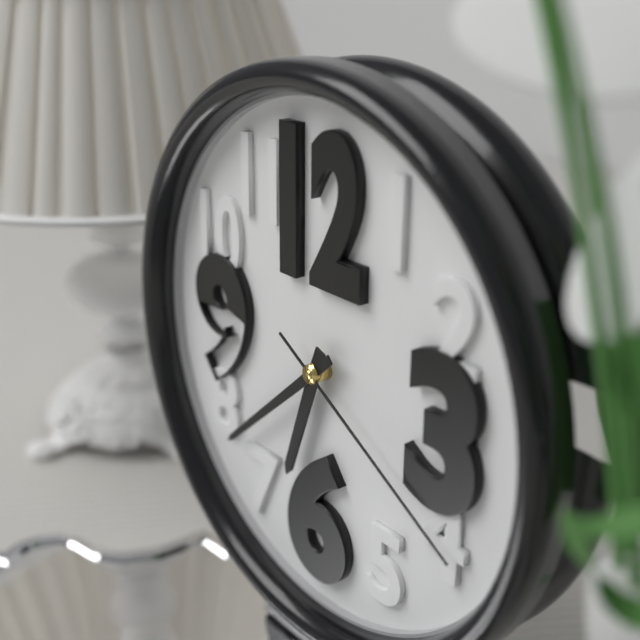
**6:38:20**
